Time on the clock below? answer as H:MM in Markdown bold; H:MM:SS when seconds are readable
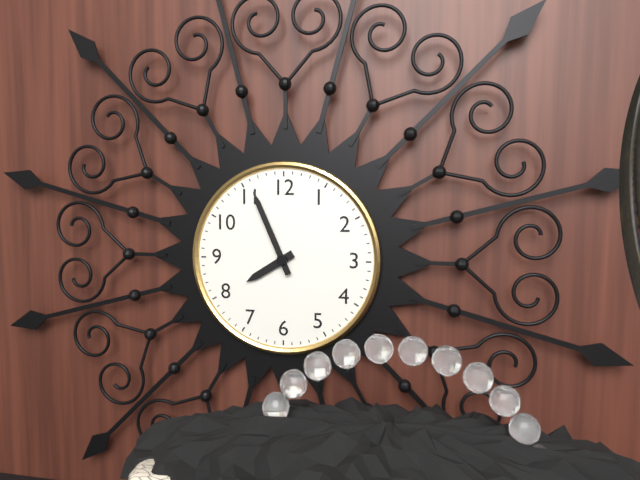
**7:56**
